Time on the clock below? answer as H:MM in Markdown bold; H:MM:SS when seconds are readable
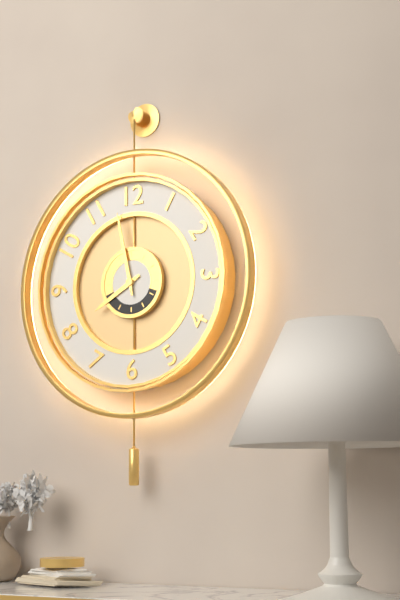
**7:58**
